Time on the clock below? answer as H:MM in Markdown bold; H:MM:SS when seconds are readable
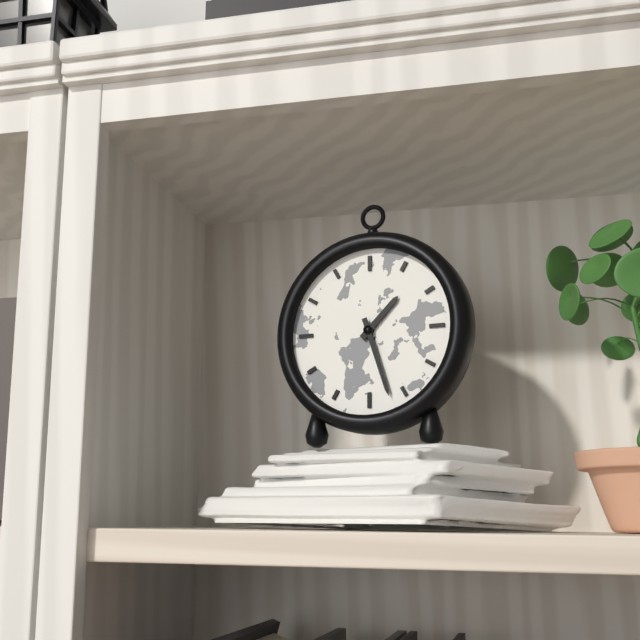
**1:27**
